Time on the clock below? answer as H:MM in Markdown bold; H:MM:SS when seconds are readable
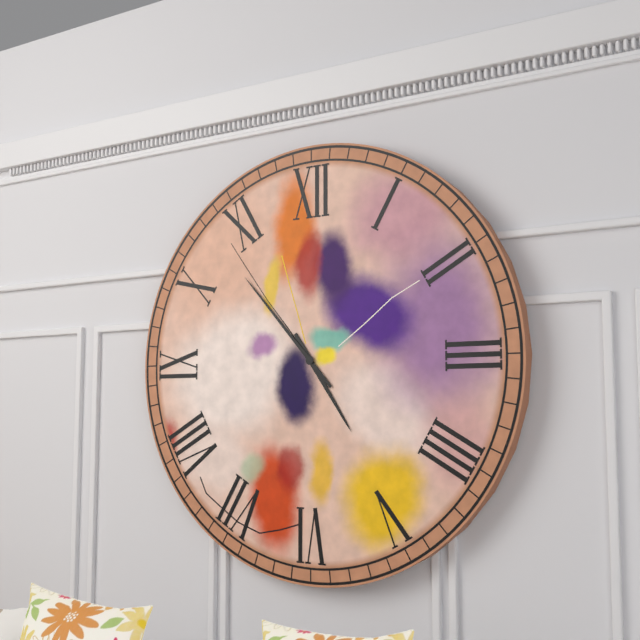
**4:53**
